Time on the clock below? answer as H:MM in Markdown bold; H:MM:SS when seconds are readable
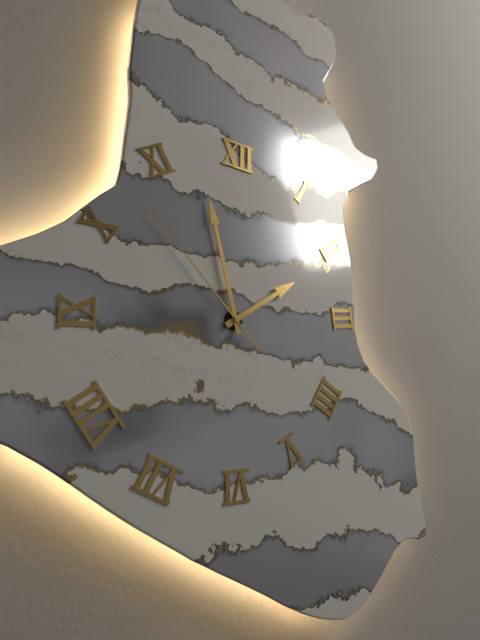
**1:58:53**
